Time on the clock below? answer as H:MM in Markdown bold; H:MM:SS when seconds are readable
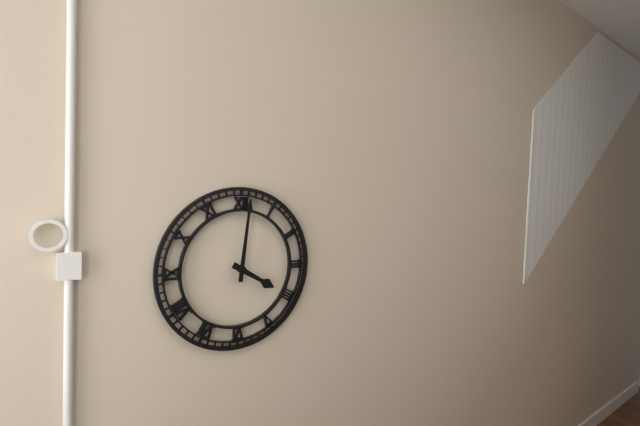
**4:01**
